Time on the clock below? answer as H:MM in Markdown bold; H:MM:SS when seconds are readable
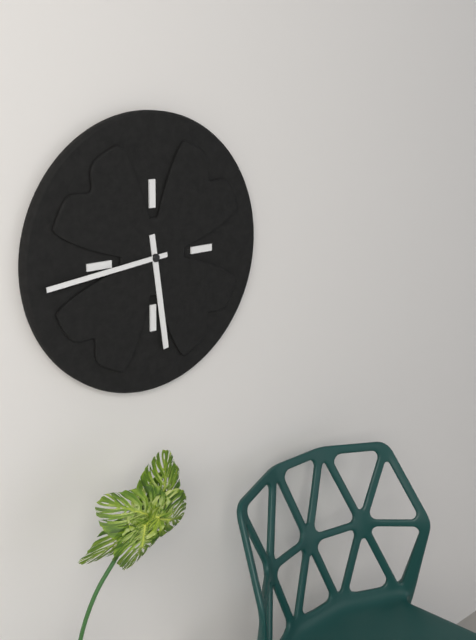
**5:44**
